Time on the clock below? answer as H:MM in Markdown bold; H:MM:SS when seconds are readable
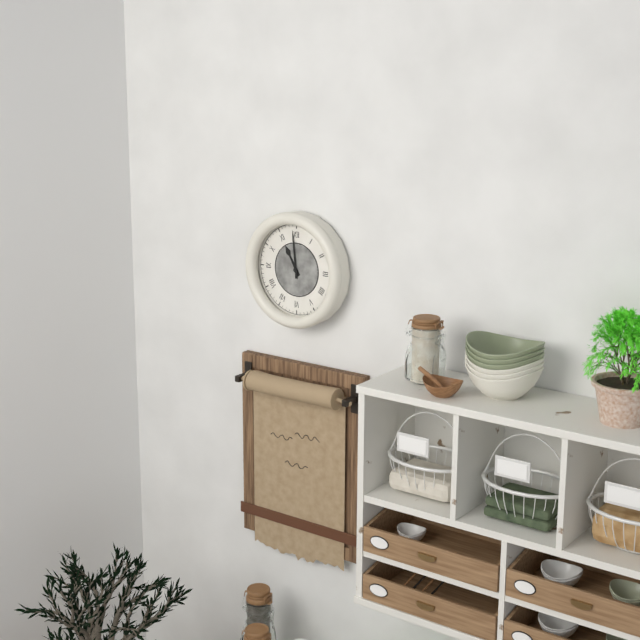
**10:59**
